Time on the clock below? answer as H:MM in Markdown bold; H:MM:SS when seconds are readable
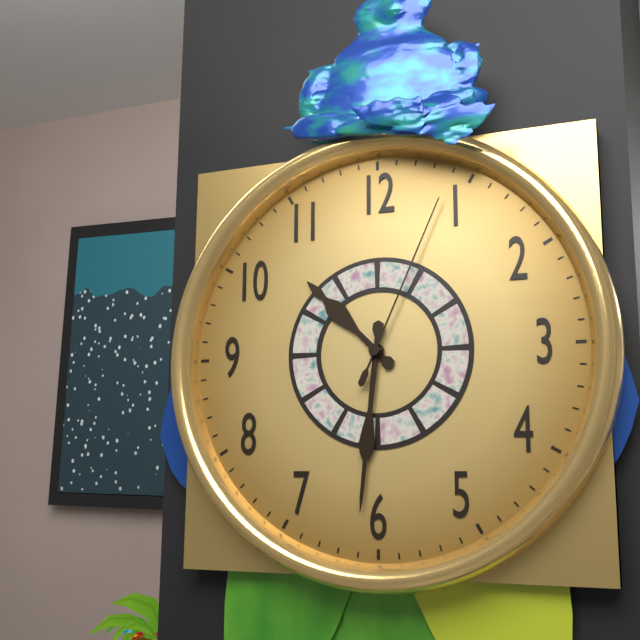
**10:31:04**
